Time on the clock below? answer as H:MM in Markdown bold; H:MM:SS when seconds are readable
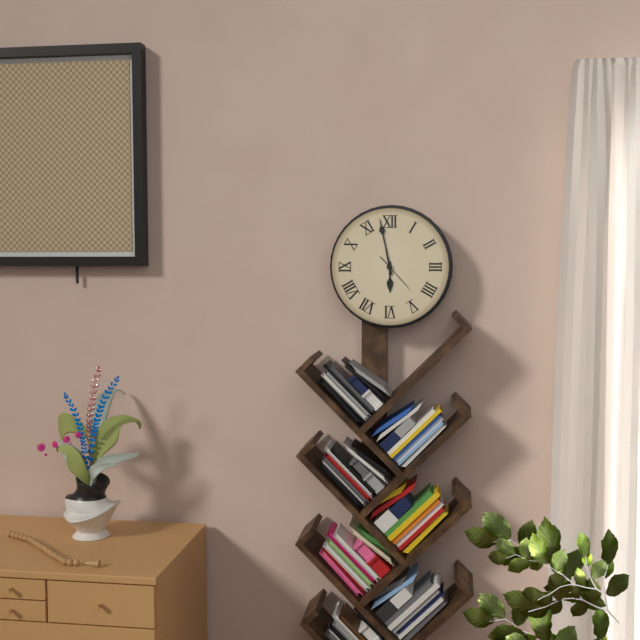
**5:58**
